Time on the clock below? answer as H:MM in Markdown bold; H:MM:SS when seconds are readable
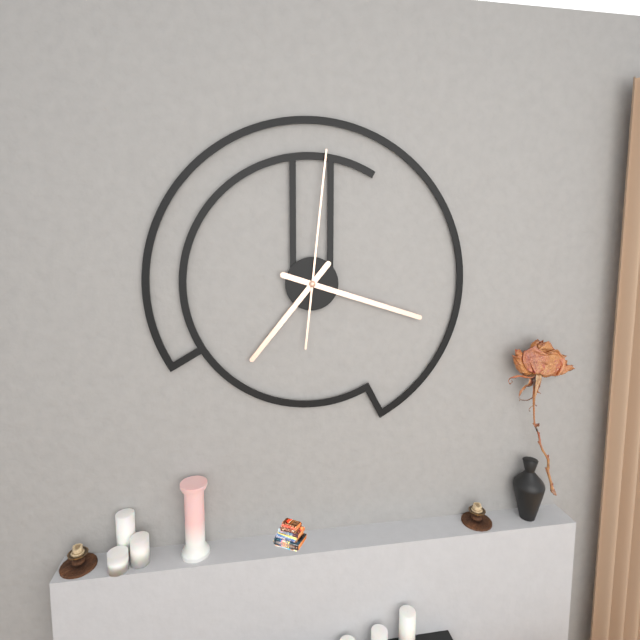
**7:18:01**
